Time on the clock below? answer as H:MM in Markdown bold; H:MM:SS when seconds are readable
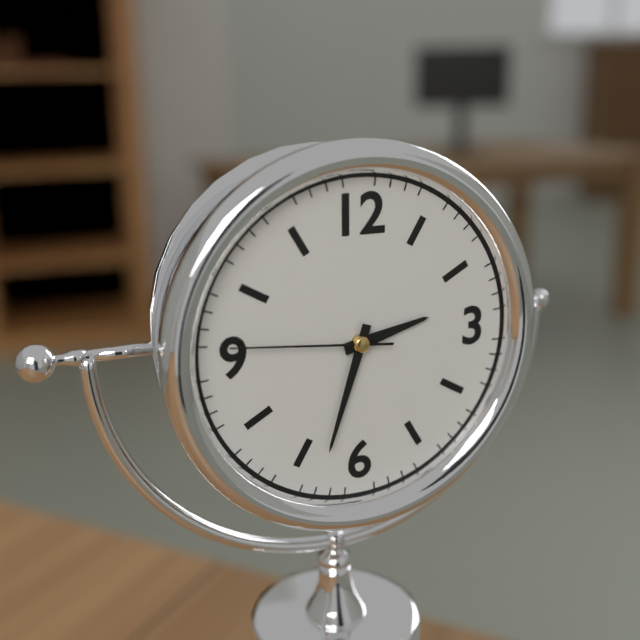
**2:33:46**
